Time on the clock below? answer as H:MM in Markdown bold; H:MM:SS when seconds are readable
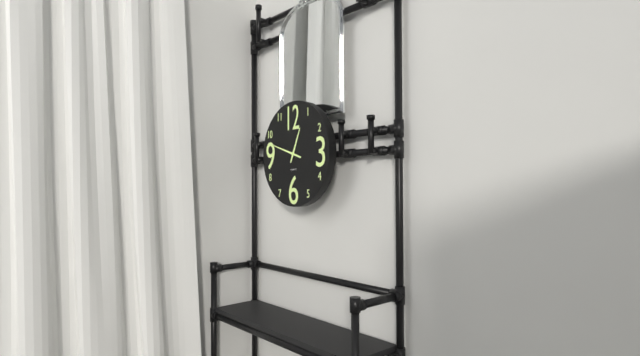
**12:48**
